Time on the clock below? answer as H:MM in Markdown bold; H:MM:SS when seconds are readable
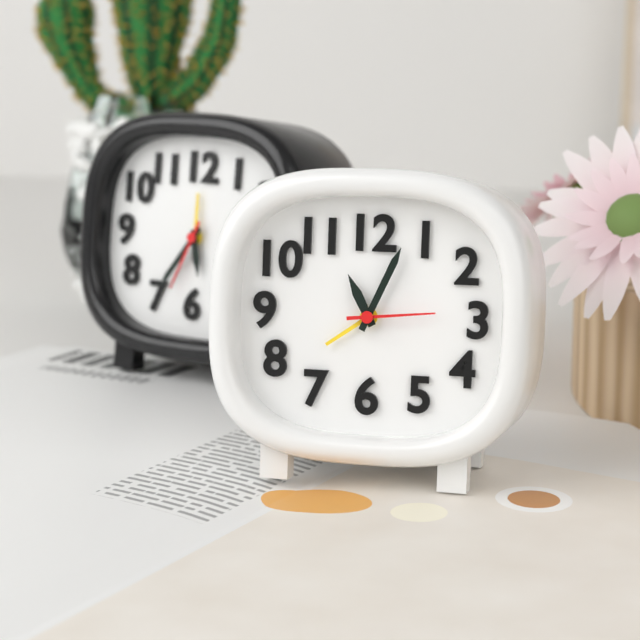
**11:04:14**
